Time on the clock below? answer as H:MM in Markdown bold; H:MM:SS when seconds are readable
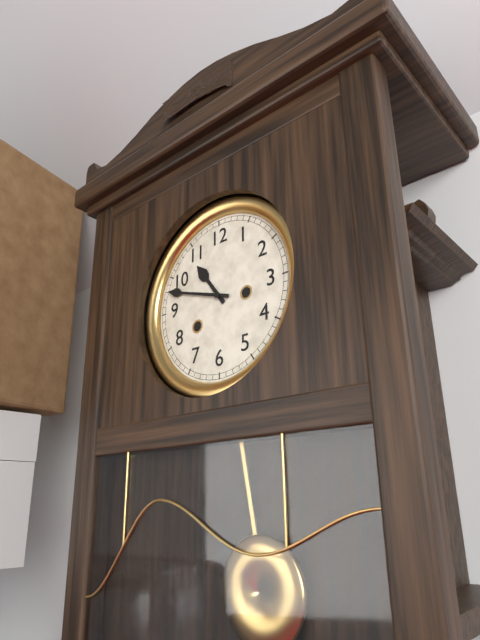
**10:48**
